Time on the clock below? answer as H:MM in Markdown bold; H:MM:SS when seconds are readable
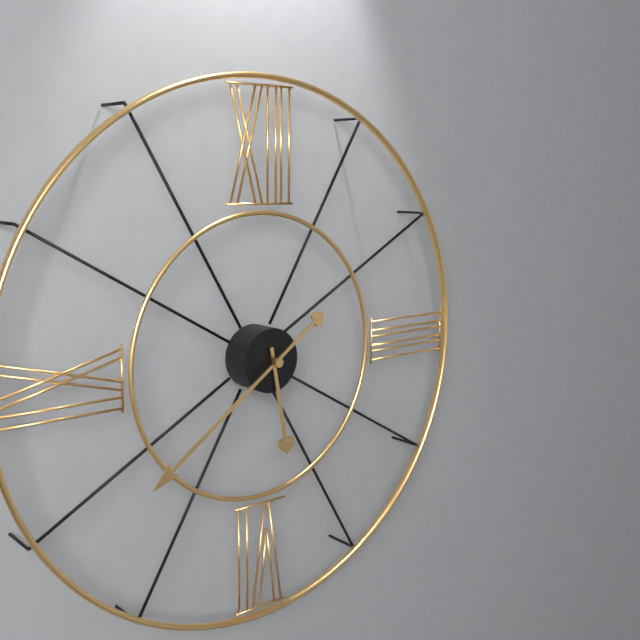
**5:39**
